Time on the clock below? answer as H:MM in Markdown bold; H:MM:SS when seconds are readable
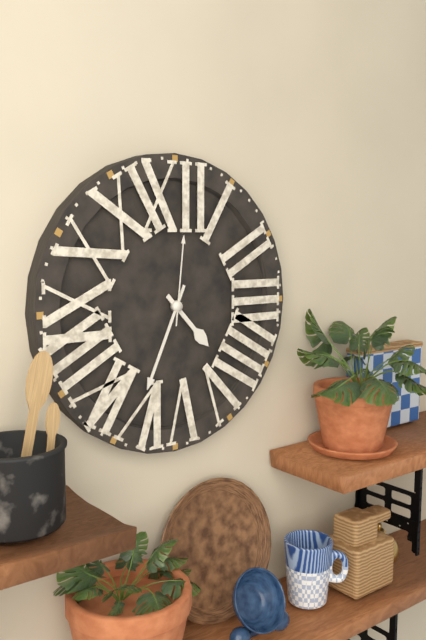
**4:34:01**
